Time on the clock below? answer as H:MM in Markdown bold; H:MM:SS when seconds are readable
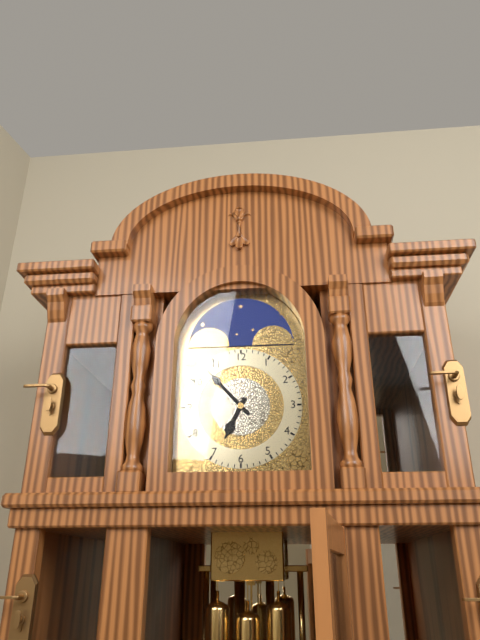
**6:53**
